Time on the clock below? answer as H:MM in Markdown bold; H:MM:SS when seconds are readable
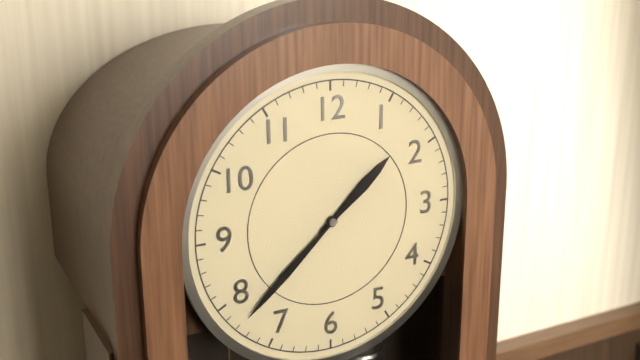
**1:38**
